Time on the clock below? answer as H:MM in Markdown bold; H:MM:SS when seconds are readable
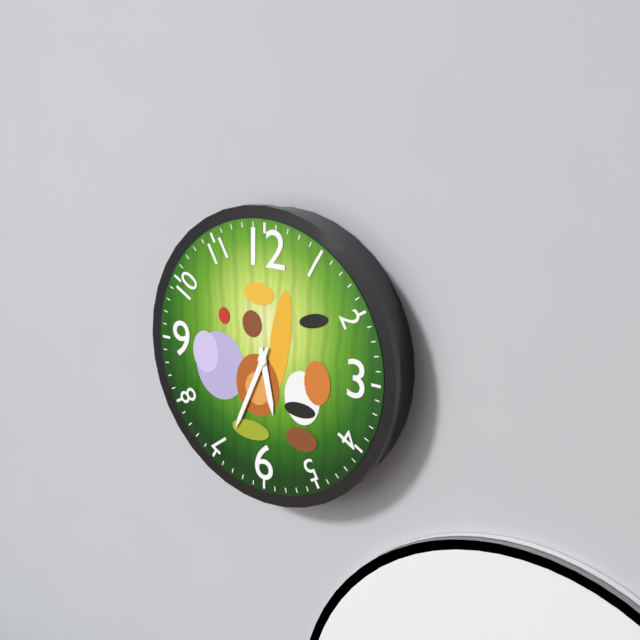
**5:34**
